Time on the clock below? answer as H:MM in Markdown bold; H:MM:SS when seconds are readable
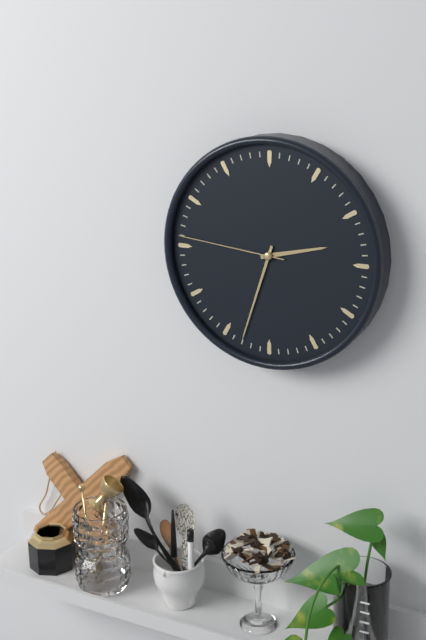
**2:33:46**
